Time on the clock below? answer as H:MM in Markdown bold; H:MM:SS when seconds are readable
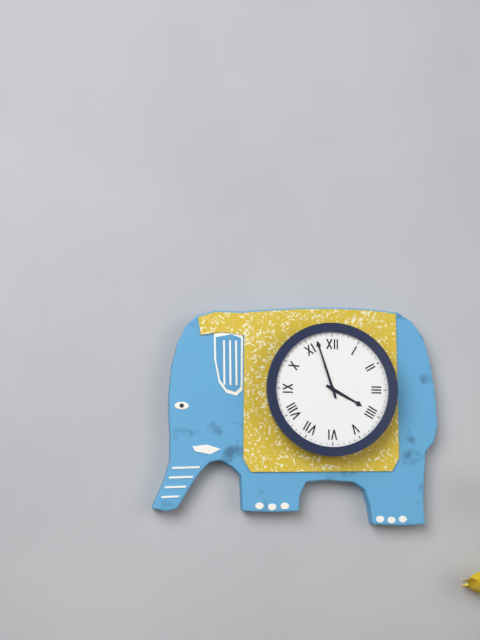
**3:57**
